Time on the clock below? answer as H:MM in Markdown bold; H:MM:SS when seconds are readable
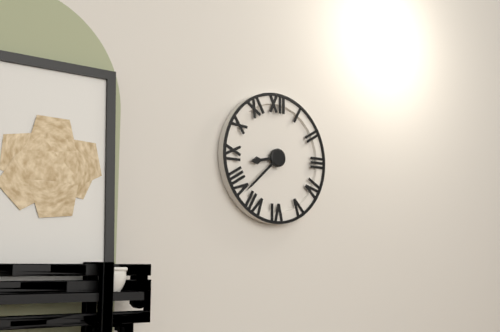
**8:38**
